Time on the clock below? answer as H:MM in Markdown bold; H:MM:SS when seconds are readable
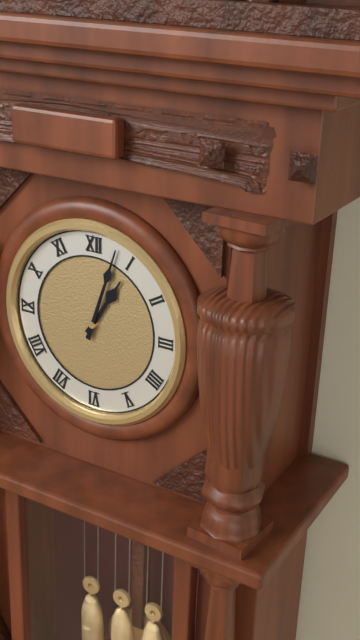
**1:03**
